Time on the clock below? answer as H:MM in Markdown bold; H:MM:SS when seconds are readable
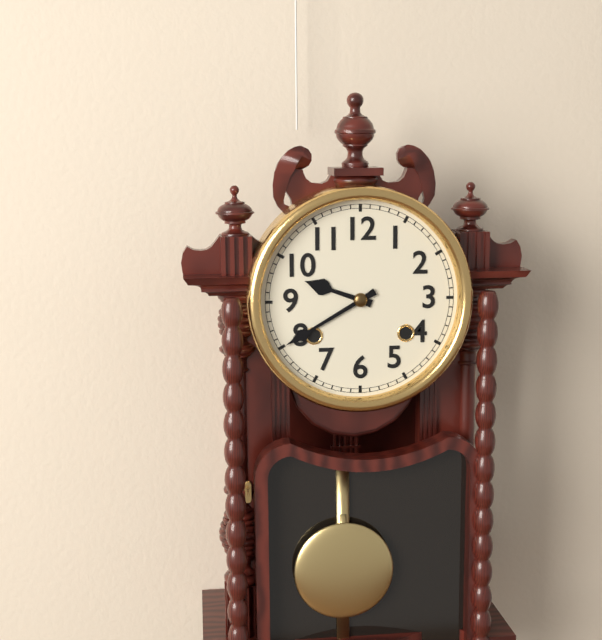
**9:40**
